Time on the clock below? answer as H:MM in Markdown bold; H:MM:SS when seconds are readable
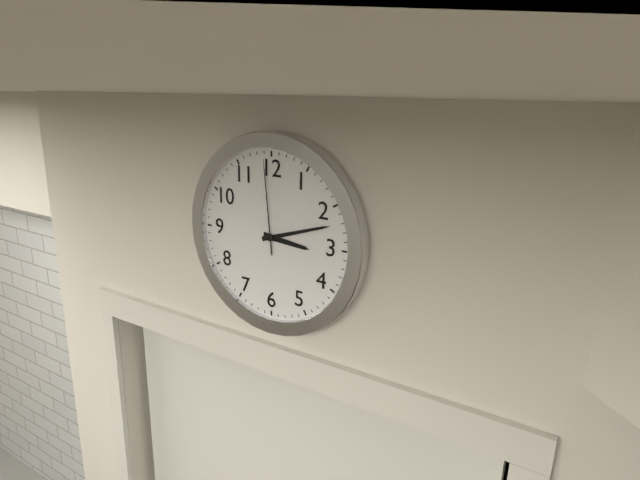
**3:12:59**
